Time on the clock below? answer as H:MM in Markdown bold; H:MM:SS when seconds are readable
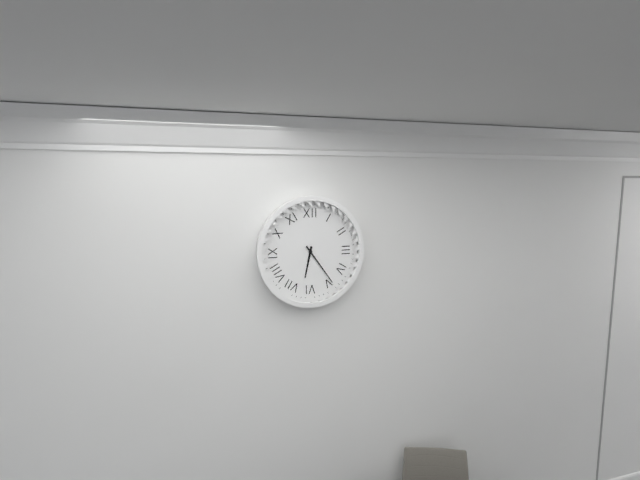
**6:24**
